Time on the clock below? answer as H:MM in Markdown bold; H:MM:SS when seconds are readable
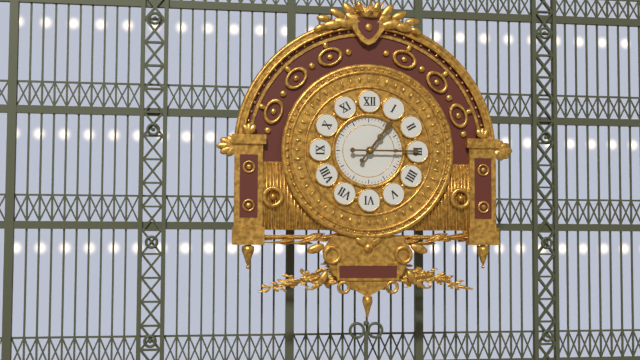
**1:15**
